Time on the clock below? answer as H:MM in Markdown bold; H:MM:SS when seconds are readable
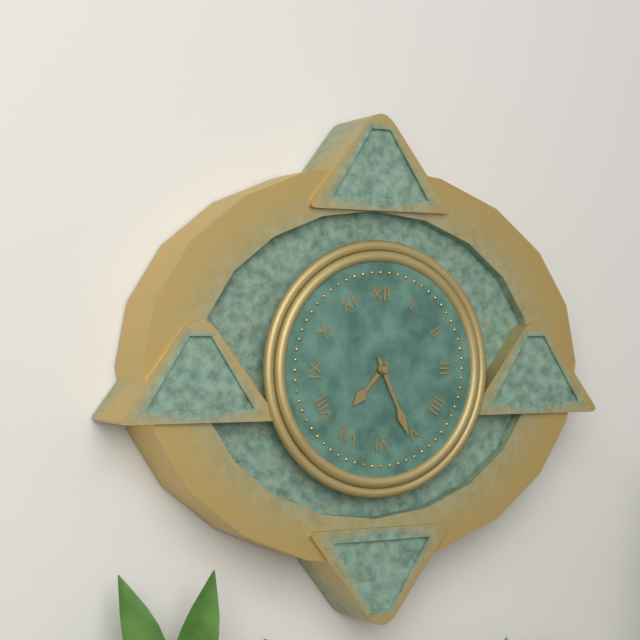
**7:26**
